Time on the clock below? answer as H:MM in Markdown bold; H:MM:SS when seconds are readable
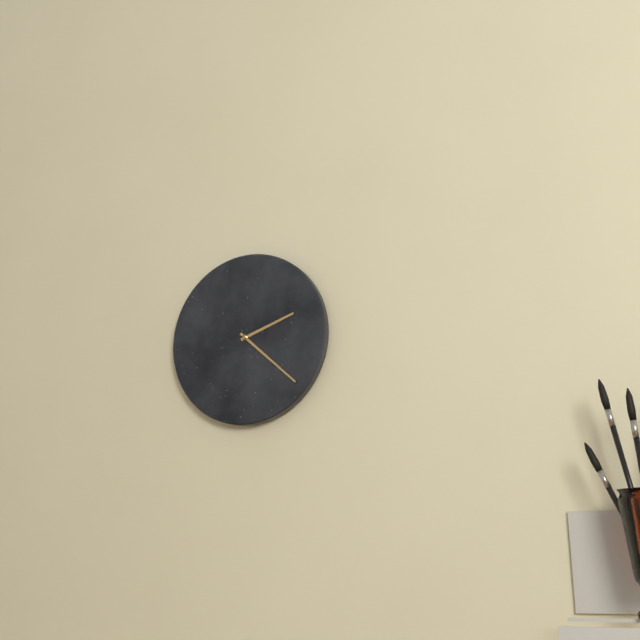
**2:22**
